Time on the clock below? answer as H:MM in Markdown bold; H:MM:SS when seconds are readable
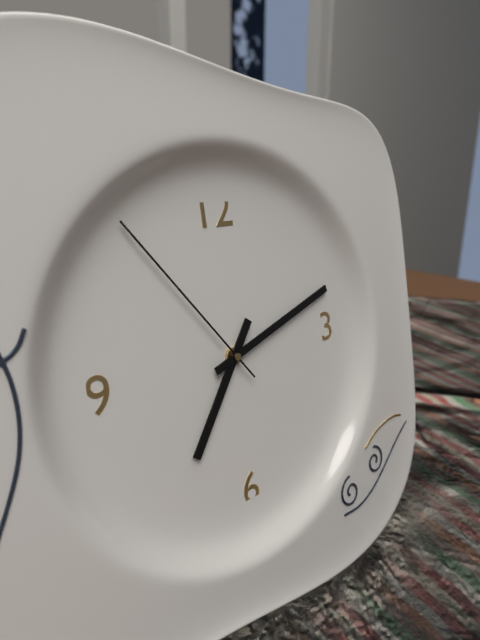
**7:12:54**
